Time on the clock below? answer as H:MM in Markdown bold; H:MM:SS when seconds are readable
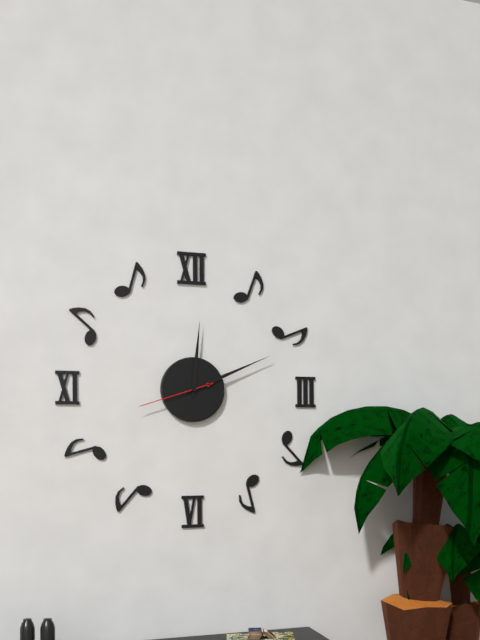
**12:11:42**
